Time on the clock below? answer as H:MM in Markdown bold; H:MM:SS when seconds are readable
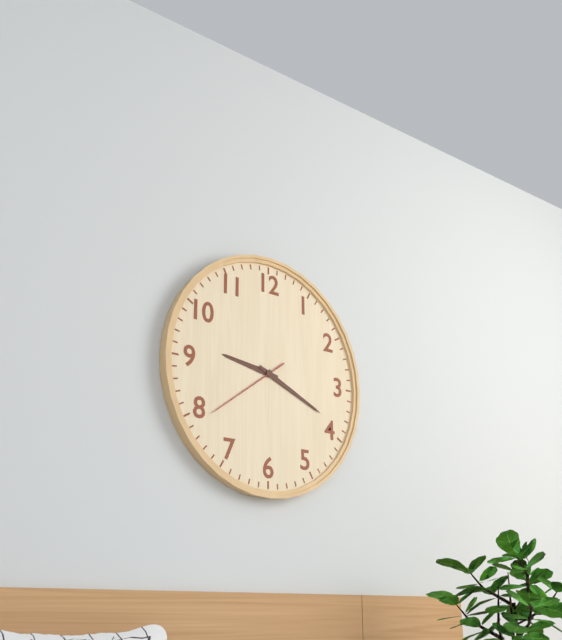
**9:19:39**
